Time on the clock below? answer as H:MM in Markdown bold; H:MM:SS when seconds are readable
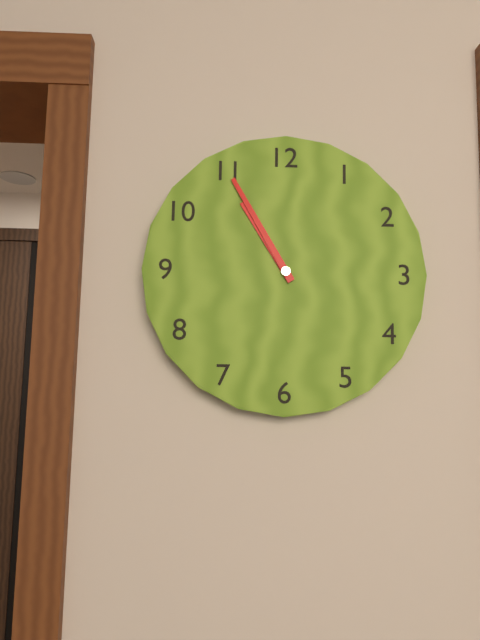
**10:55**
